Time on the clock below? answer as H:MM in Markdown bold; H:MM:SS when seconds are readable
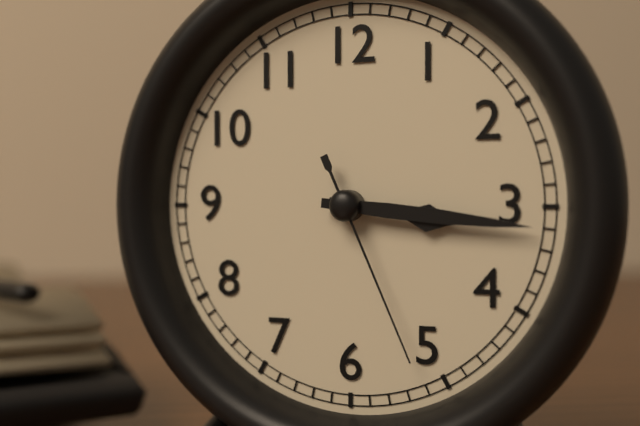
**3:16:26**
